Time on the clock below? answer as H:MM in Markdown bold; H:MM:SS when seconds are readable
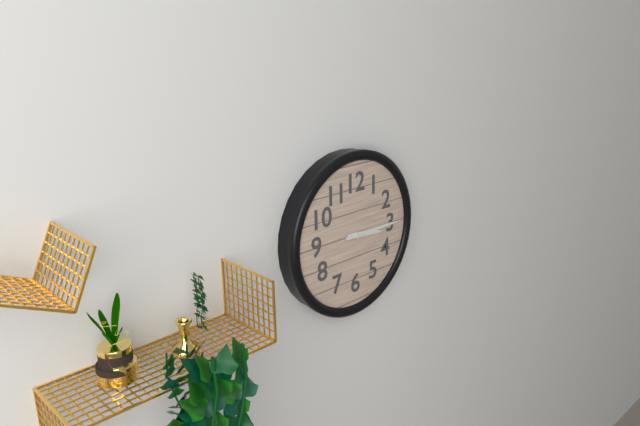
**3:15**
